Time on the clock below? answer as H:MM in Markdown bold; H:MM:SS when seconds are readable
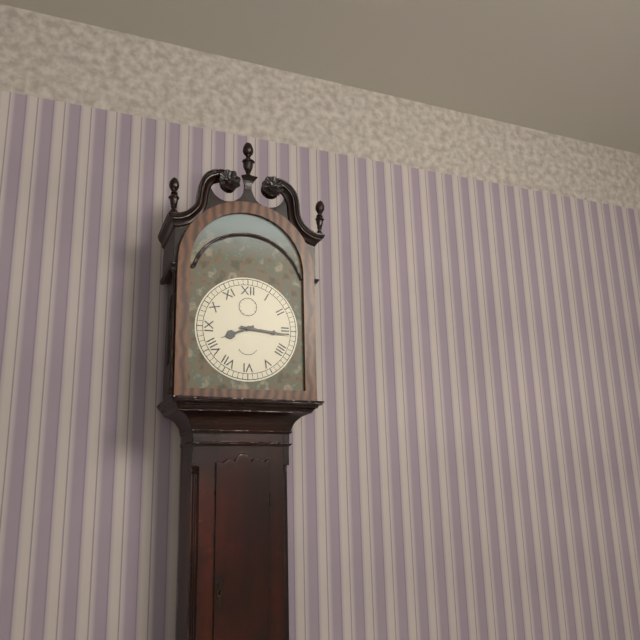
**8:16**
